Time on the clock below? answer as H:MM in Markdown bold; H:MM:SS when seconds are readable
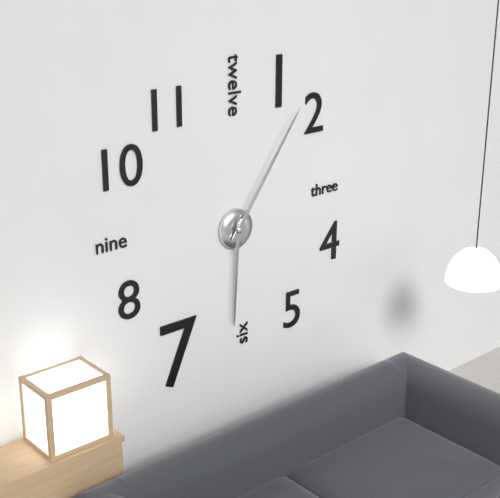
**6:06**
